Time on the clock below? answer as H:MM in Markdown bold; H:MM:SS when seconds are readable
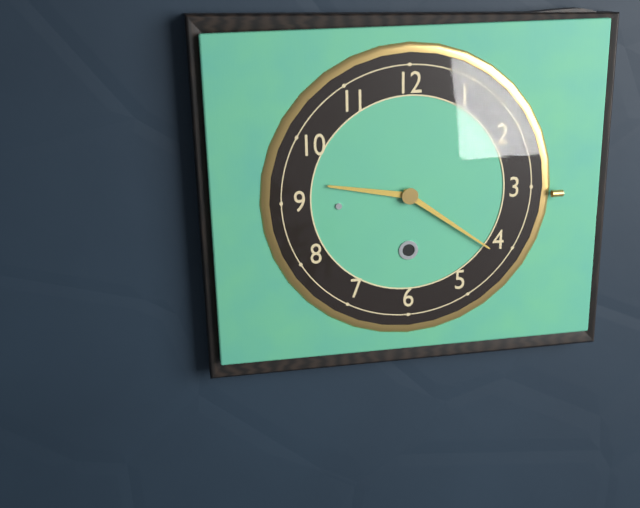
**9:21**
